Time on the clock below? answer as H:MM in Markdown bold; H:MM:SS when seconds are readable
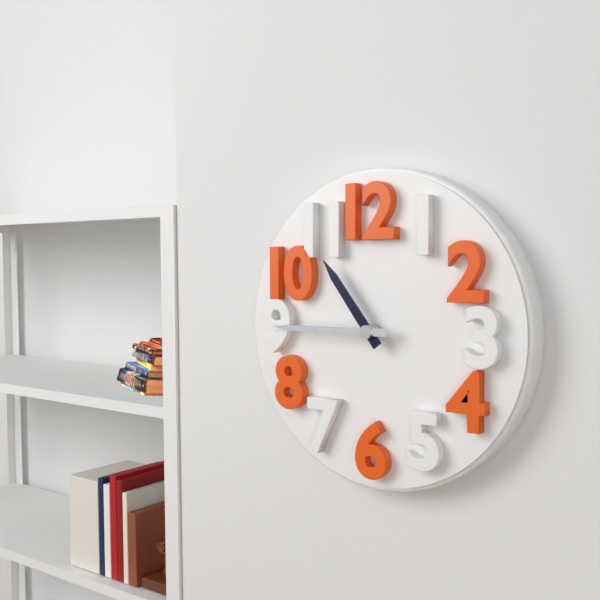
**10:45**
